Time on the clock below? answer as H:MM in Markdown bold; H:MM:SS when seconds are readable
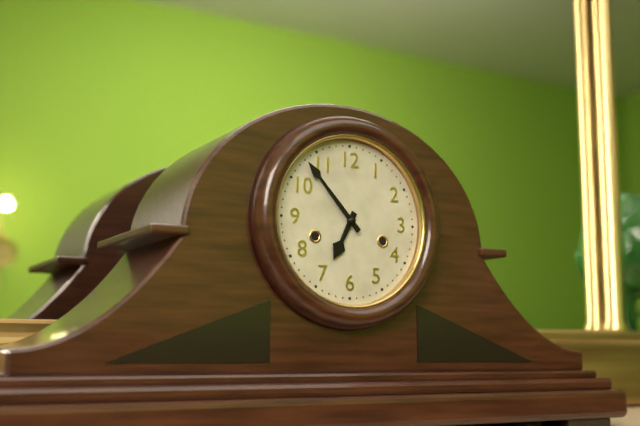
**6:53**
